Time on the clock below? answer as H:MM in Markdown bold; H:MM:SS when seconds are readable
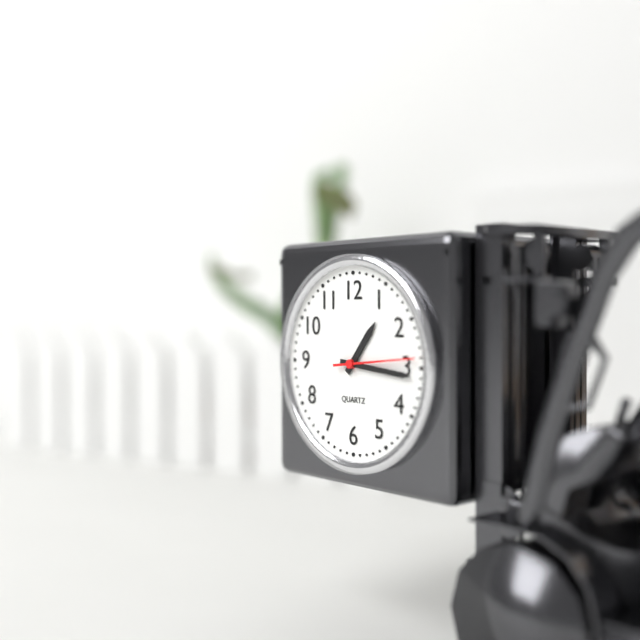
**1:16:14**
